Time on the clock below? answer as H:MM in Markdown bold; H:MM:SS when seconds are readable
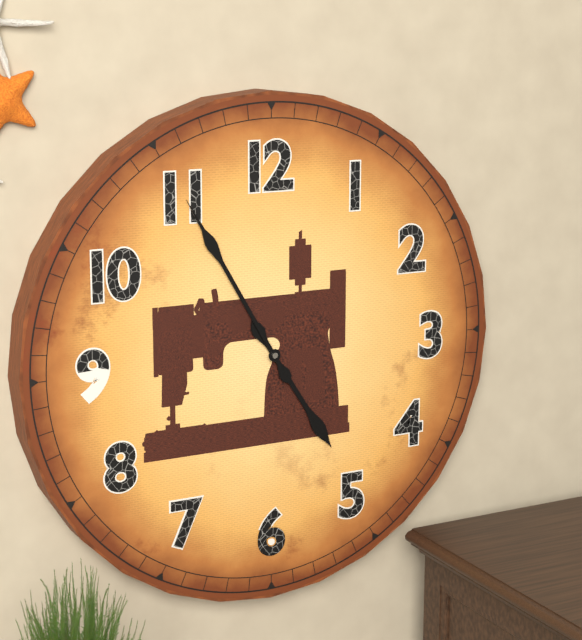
**4:55**
